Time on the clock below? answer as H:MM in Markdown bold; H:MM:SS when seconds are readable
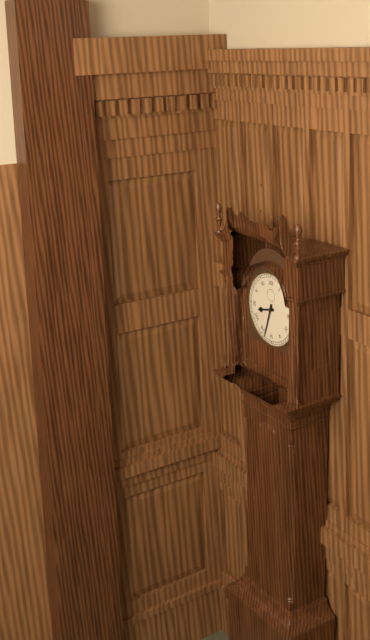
**8:33**
